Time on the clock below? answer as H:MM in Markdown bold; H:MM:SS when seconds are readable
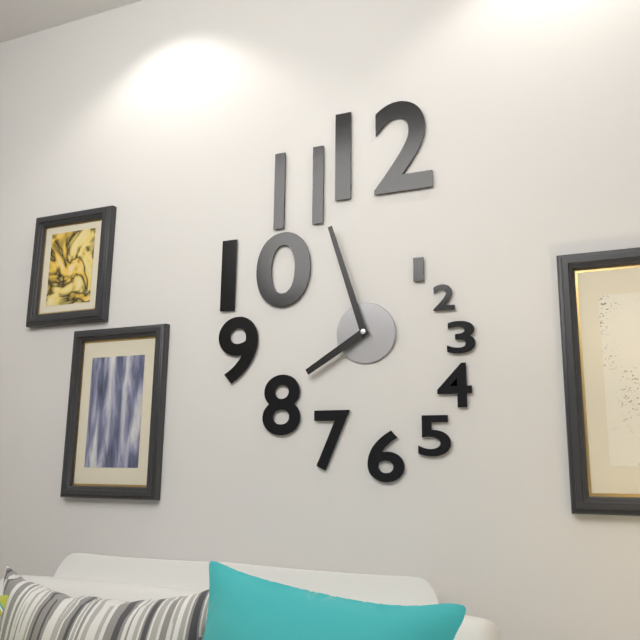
**7:57**
